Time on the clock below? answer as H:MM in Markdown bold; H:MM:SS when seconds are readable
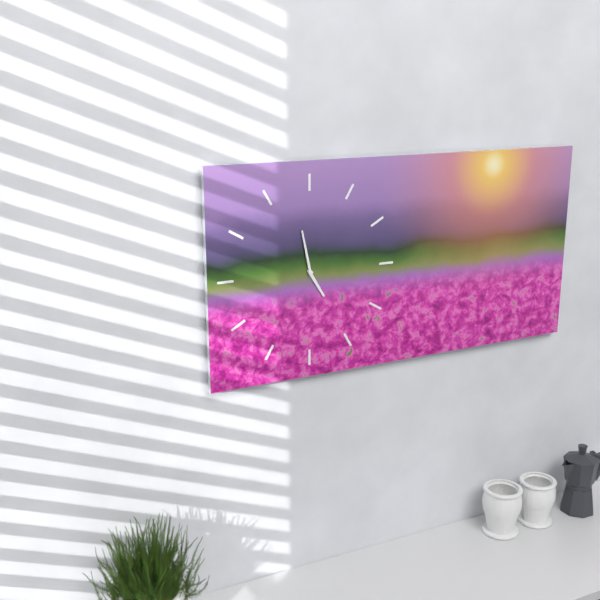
**4:58**
